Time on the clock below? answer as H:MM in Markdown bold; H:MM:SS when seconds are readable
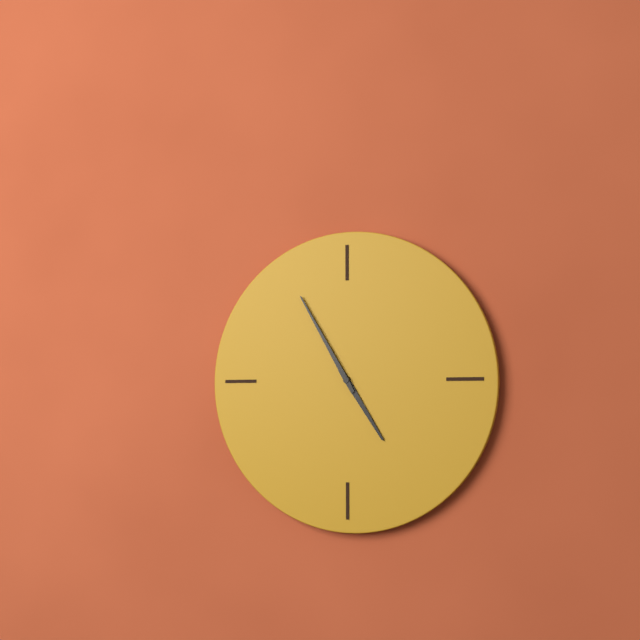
**4:55**
